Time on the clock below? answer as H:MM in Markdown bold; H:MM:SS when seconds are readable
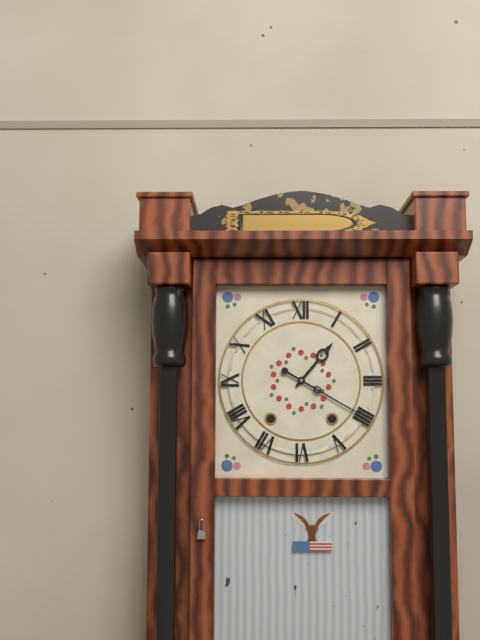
**1:20**
